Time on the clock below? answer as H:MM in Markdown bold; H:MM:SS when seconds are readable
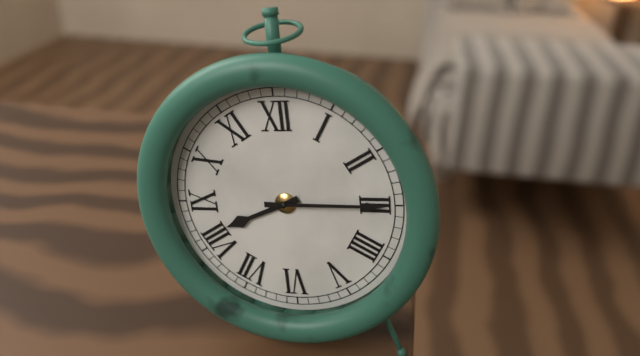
**8:15**
